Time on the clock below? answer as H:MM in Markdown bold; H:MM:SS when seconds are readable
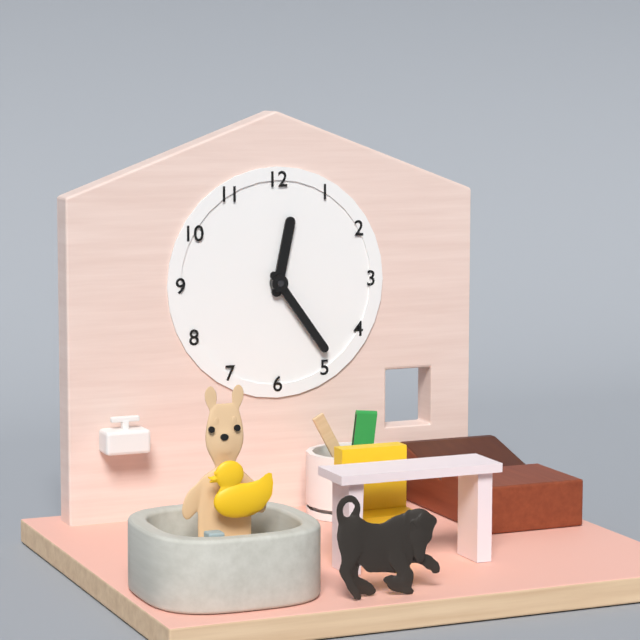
**12:24**
